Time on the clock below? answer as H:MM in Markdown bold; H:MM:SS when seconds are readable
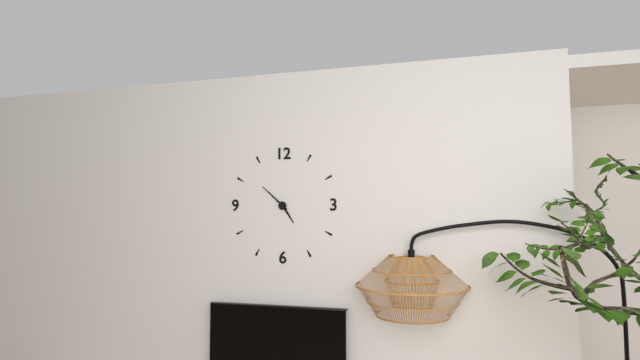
**4:52**
